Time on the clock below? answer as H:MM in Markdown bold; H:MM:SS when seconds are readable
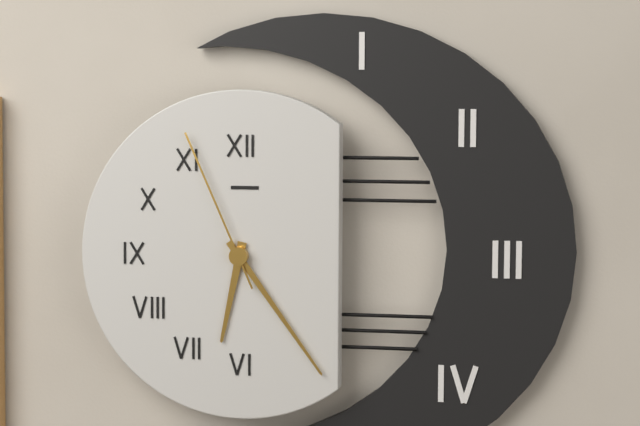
**6:24:56**
